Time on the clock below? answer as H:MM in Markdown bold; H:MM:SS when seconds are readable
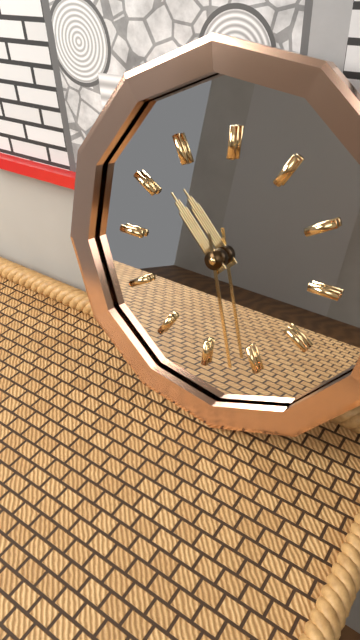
**10:27**
